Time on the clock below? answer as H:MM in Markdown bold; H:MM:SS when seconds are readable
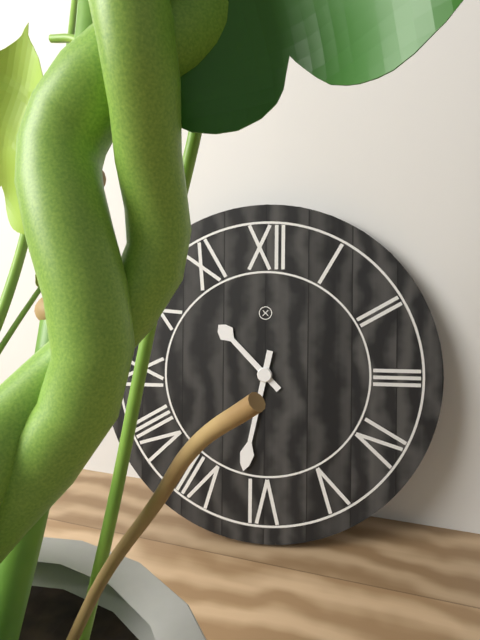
**10:32**
